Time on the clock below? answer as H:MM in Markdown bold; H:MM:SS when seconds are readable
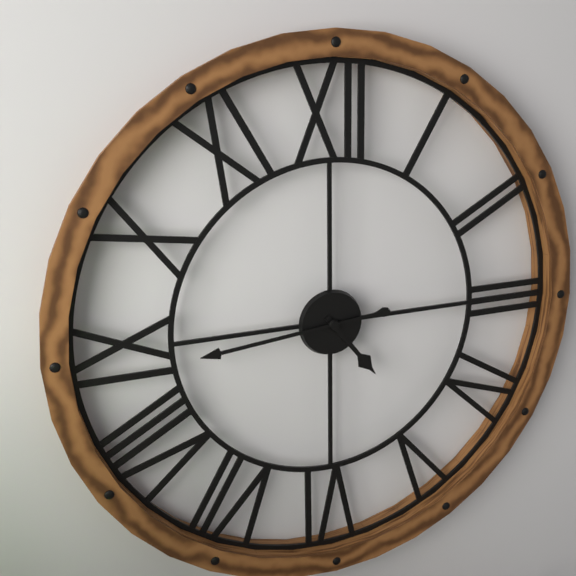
**4:44**
